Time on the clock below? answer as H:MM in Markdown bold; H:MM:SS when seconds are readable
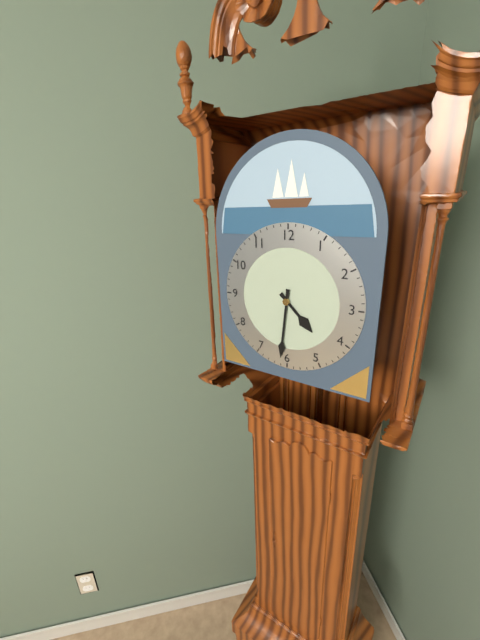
**4:31**
